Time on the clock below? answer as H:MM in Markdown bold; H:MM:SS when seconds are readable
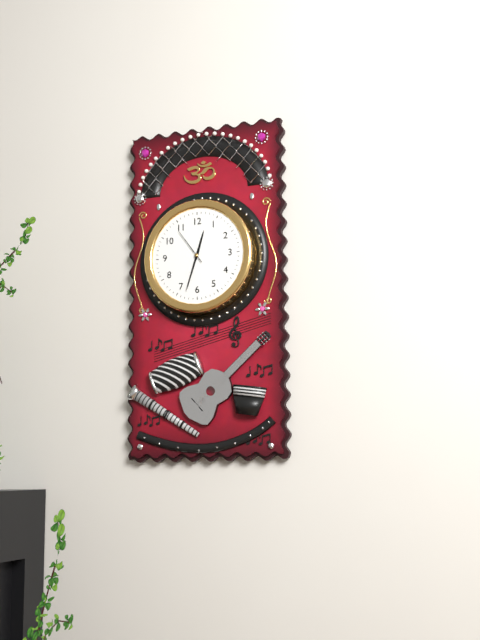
**12:33**
